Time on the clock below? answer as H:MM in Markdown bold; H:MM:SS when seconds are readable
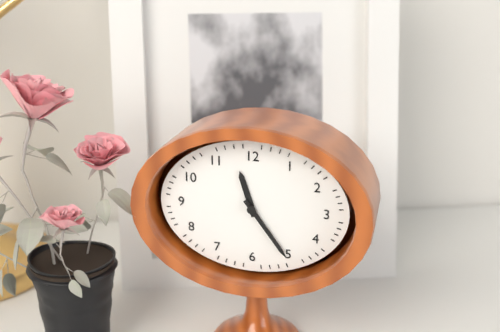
**11:24**
